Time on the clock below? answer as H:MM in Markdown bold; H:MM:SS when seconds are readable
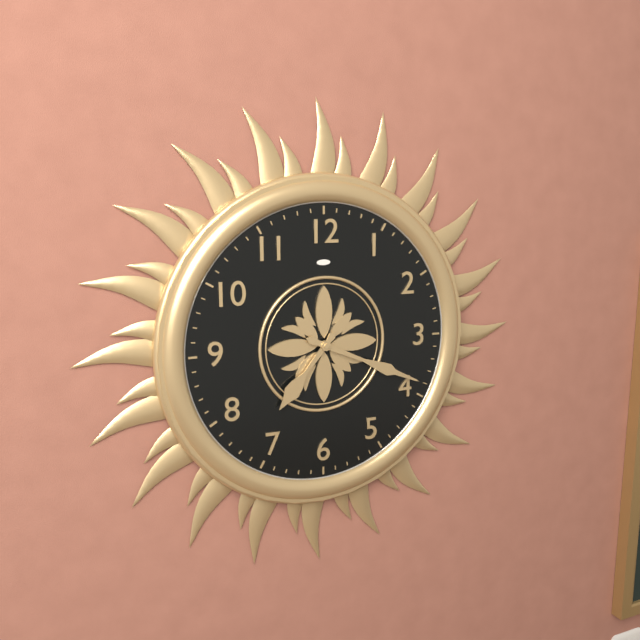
**7:19**
